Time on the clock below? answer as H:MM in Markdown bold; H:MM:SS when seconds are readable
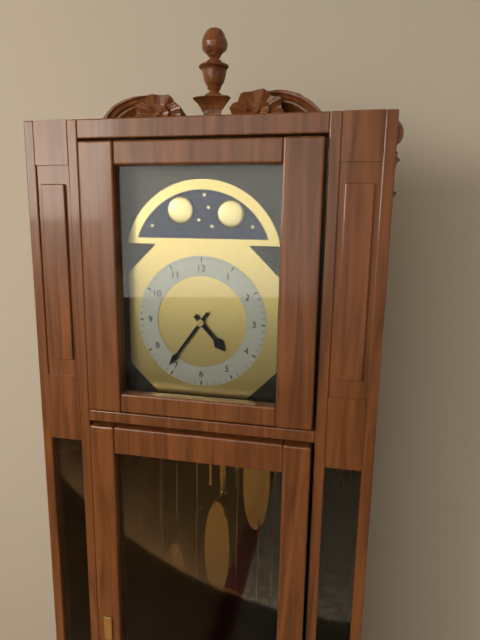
**4:36**
